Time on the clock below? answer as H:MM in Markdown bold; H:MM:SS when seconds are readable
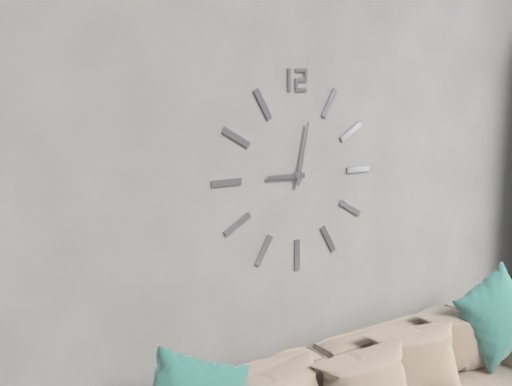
**9:02**
